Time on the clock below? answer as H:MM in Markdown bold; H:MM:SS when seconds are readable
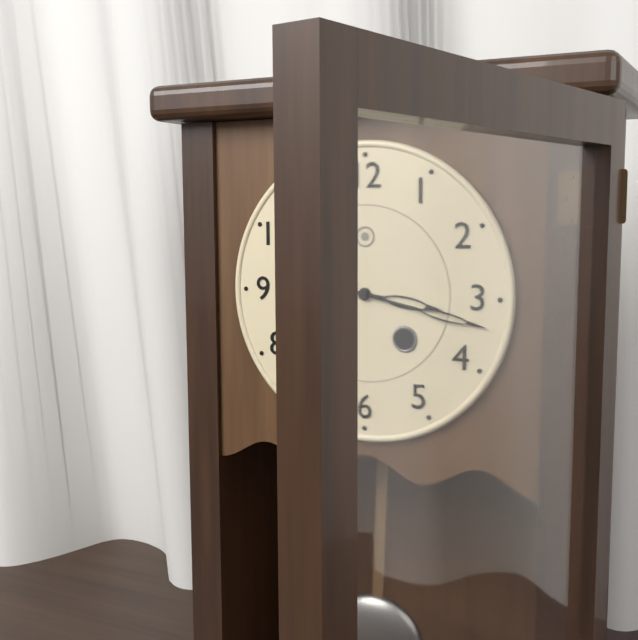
**3:17**
